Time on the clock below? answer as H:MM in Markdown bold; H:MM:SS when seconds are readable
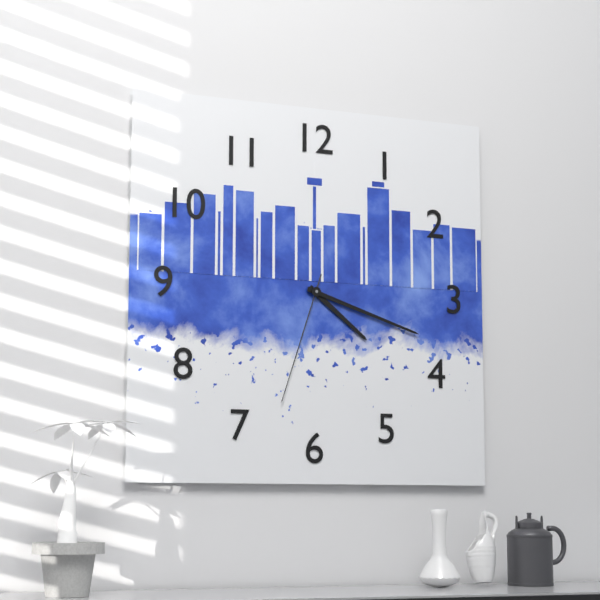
**4:18:33**
